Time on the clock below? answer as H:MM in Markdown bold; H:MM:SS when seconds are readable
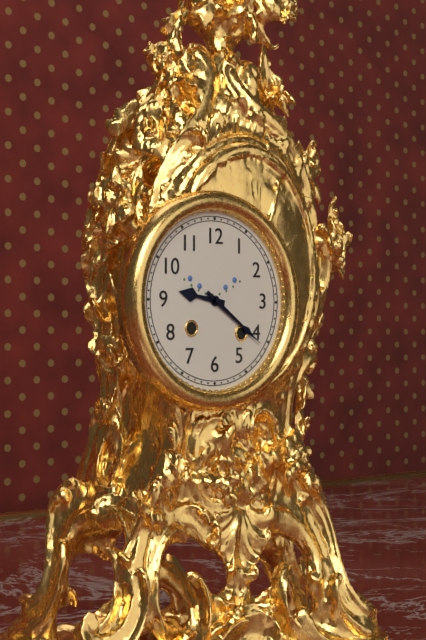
**9:21**
